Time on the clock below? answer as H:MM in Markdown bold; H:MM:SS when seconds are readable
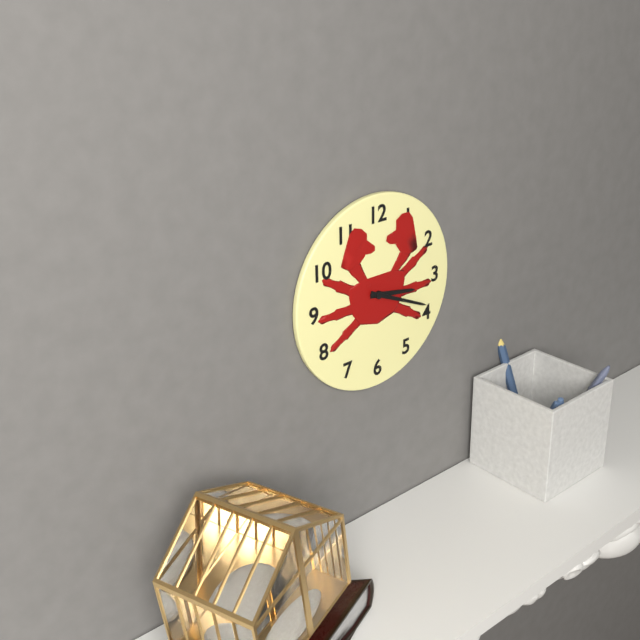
**3:19**
